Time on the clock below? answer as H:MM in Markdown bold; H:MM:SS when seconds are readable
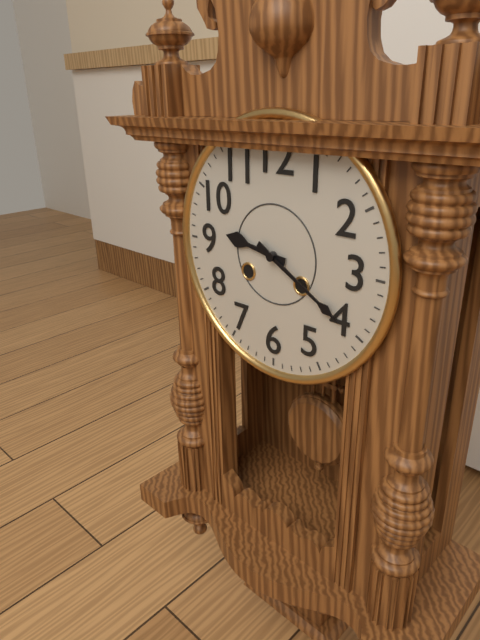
**9:20**
